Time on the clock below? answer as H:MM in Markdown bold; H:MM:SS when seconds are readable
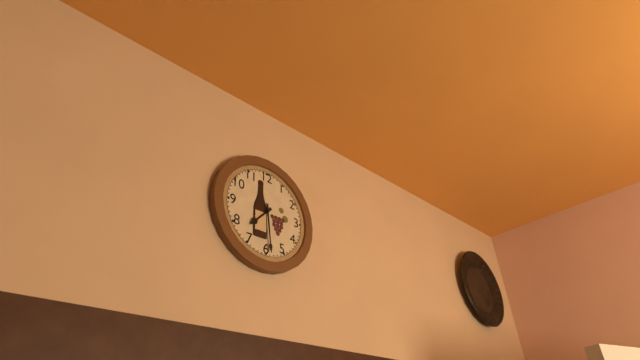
**7:29**
